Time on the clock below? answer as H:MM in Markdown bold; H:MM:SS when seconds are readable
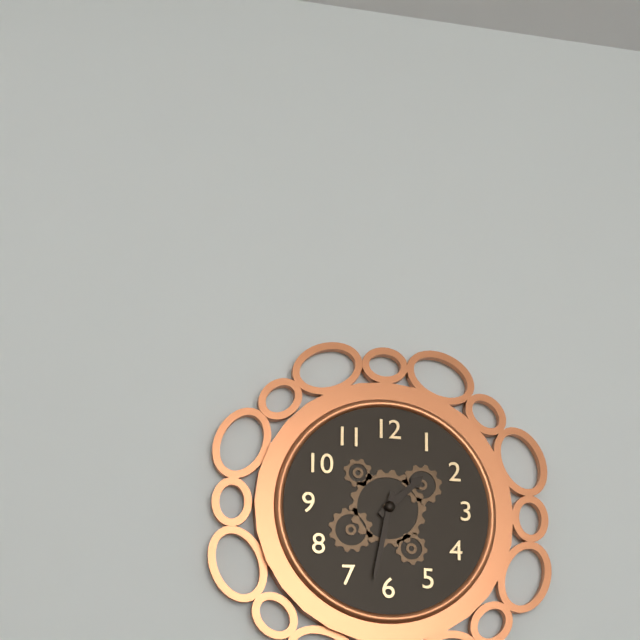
**1:32**
